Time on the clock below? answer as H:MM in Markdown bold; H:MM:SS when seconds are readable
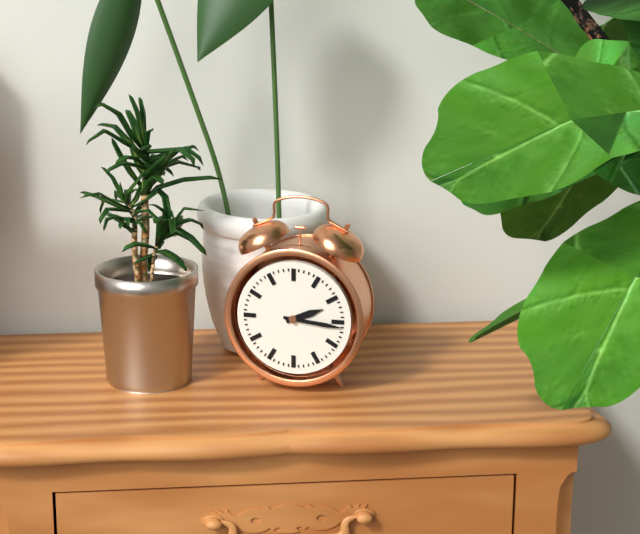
**2:16**
